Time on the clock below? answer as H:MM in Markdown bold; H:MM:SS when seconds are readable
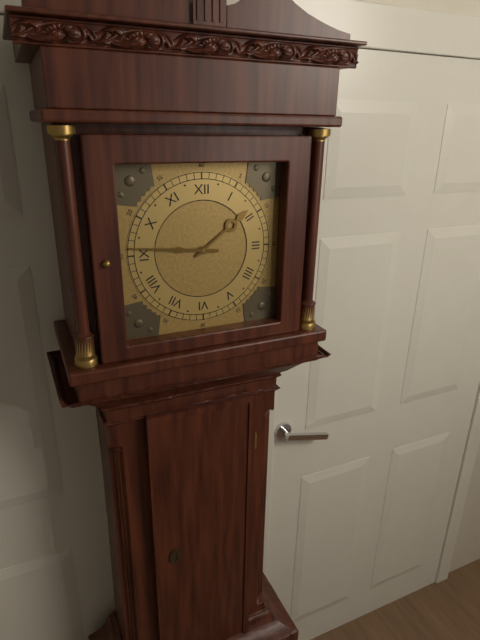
**1:46**
